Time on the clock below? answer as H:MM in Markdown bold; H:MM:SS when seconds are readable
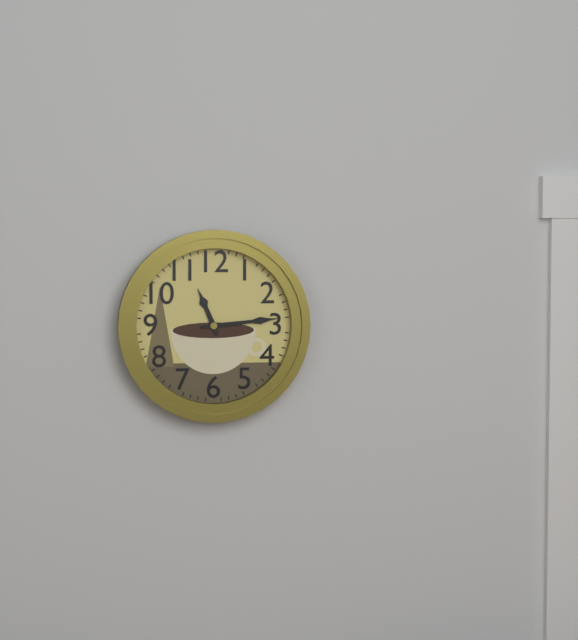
**11:14**
